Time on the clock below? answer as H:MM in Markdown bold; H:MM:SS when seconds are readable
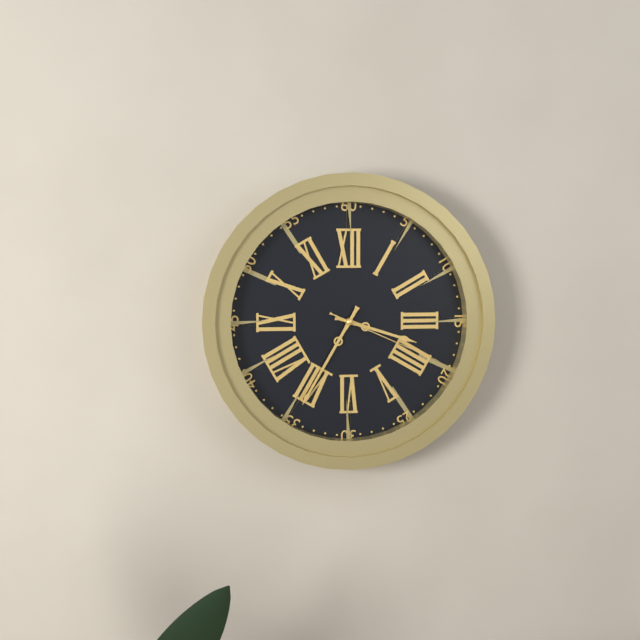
**3:35:19**
